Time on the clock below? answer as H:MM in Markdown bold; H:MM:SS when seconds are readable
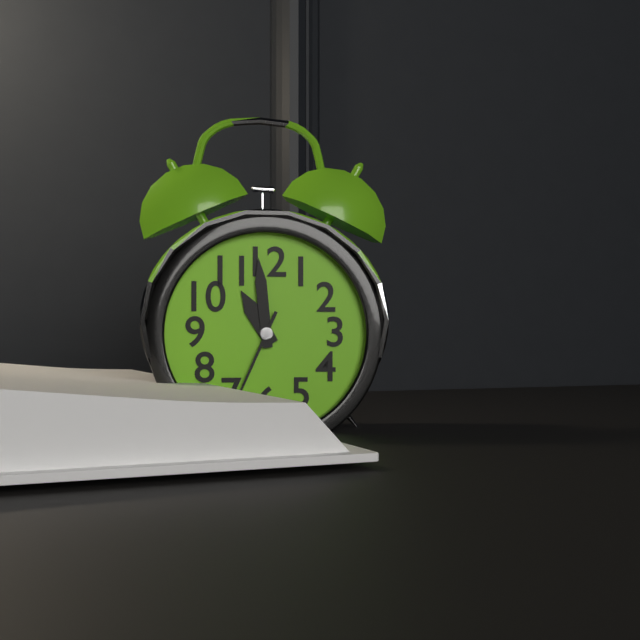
**10:59:34**
